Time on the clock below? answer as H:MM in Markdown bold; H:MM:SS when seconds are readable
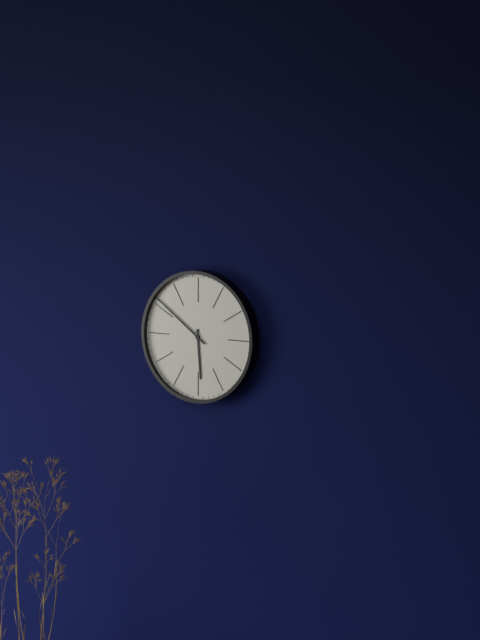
**5:51**
